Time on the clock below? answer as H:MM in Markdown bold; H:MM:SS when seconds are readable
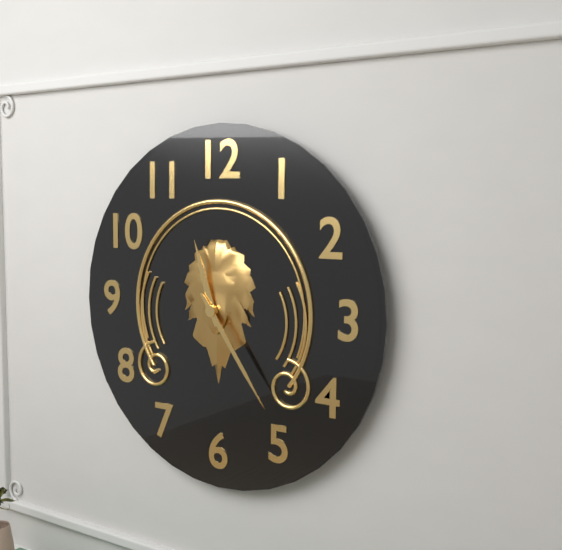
**11:24**
